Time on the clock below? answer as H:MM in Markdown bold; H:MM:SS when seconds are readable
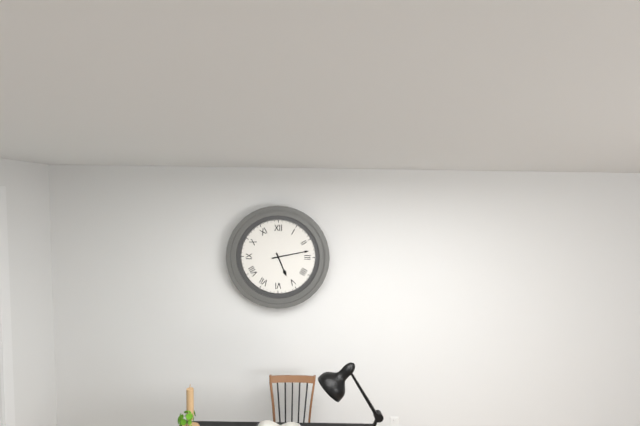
**5:13**
